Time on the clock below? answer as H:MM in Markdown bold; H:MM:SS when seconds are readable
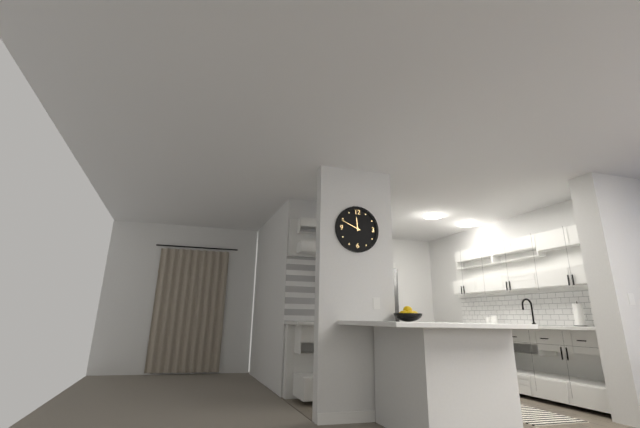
**11:49**
